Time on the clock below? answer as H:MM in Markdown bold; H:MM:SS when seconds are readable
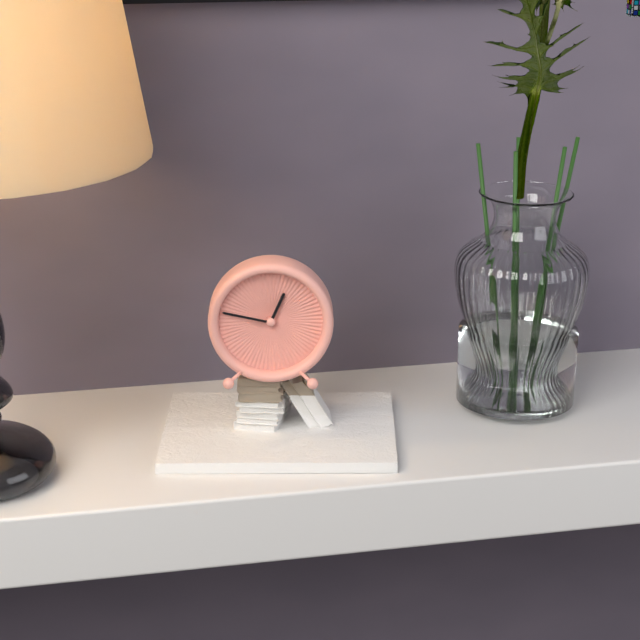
**12:47**
